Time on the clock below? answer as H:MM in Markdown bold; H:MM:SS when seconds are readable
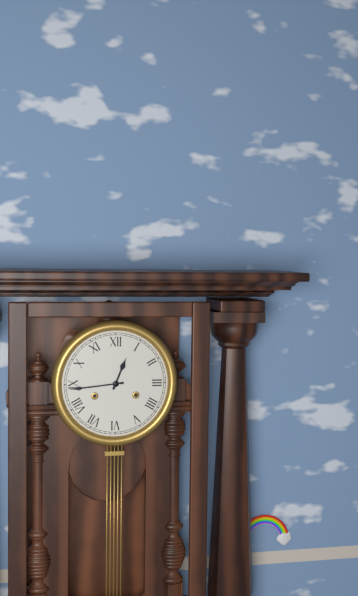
**12:44**
